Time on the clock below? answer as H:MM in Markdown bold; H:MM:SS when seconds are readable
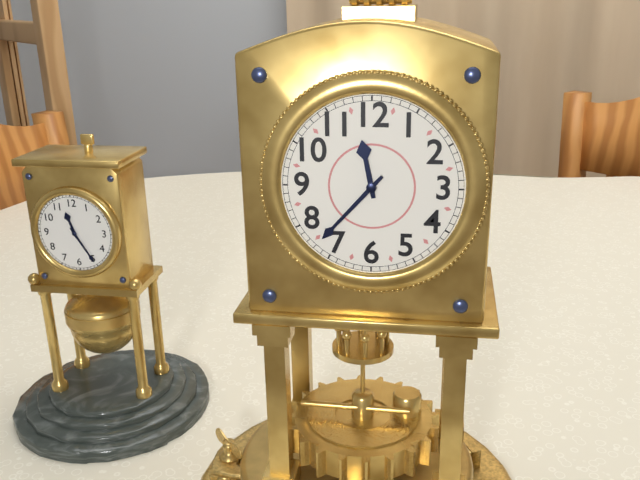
**11:37**
